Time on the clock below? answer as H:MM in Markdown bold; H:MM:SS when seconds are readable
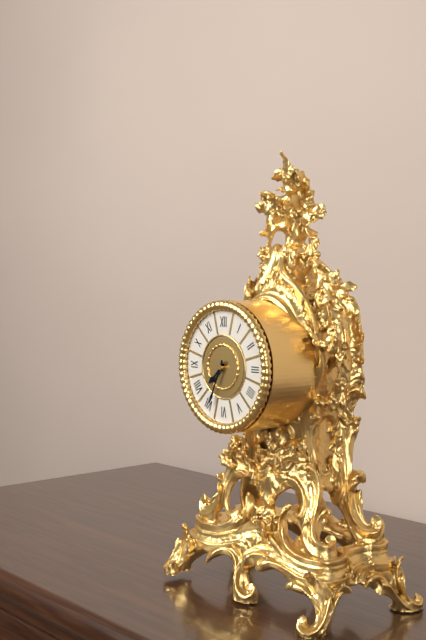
**7:34**
